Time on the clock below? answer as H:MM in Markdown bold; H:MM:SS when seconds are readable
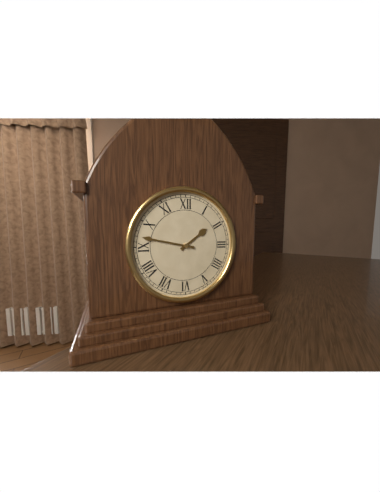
**1:47**
